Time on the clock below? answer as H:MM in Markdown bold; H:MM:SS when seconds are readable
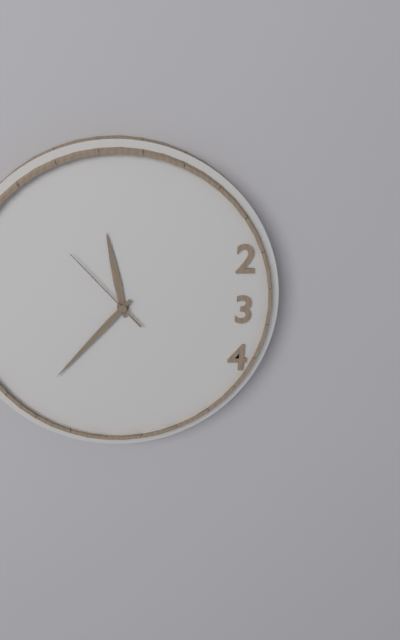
**11:37:53**
